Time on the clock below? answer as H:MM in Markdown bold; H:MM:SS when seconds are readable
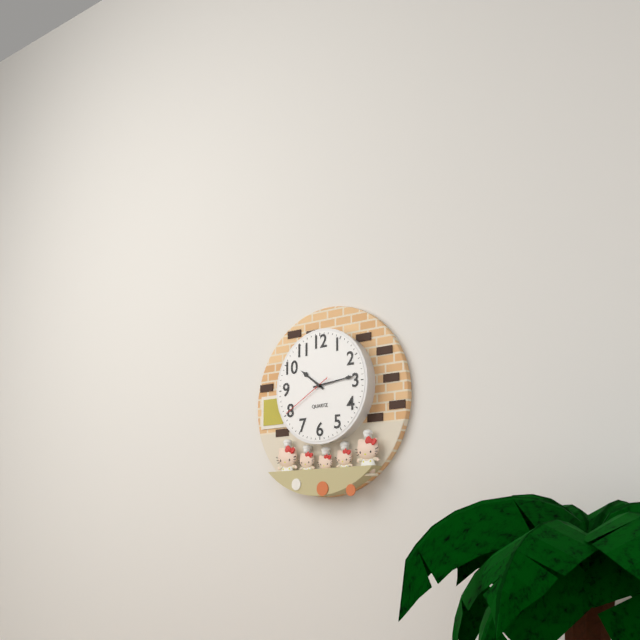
**10:14:40**
